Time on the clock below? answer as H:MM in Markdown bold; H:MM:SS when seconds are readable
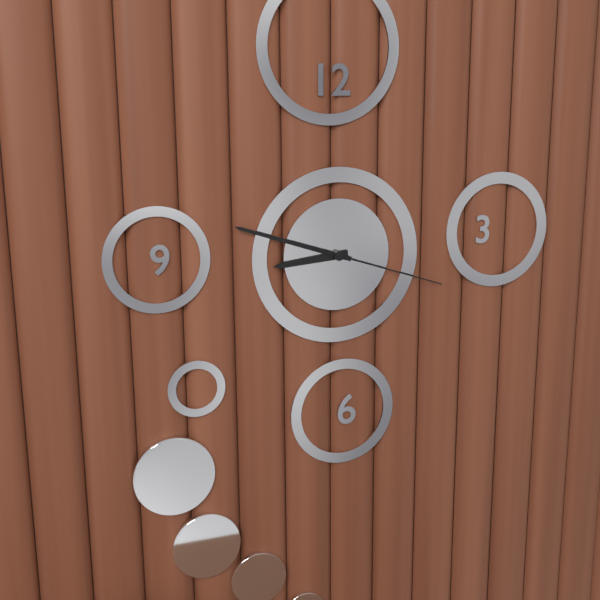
**8:48:18**
